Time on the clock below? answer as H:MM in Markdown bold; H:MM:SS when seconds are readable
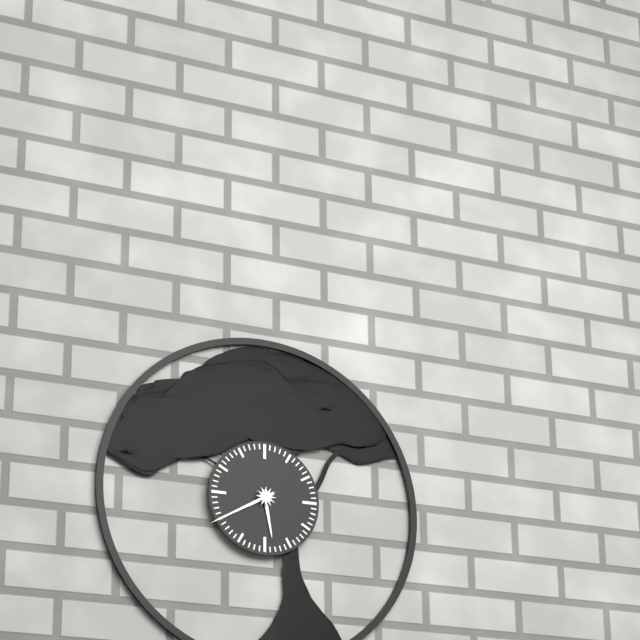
**5:40**
